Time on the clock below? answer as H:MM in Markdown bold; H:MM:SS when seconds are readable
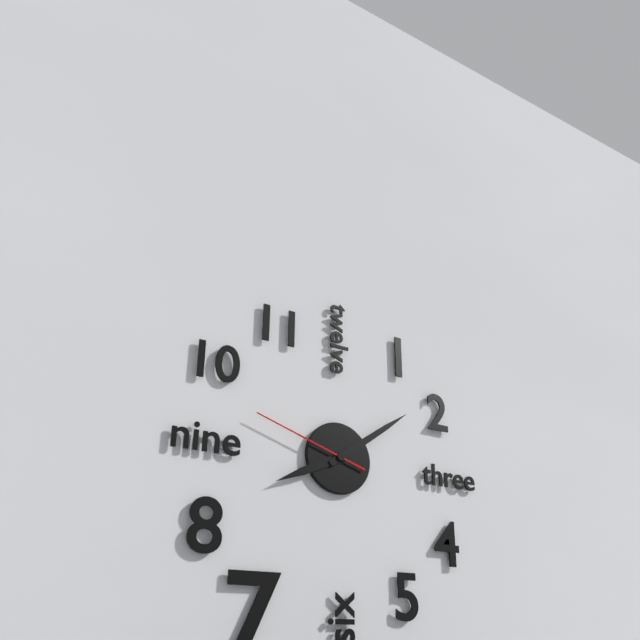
**8:09:48**
